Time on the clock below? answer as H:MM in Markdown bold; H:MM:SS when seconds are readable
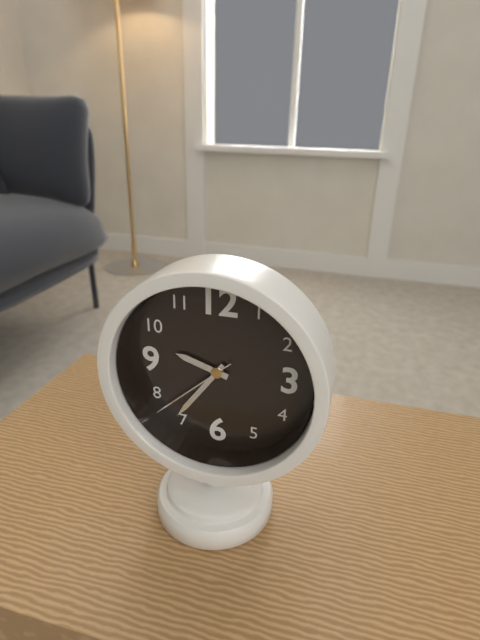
**9:36:38**
